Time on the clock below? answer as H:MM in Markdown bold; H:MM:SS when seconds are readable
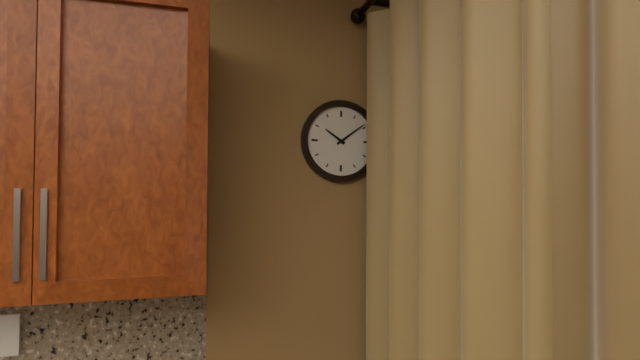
**10:09**
